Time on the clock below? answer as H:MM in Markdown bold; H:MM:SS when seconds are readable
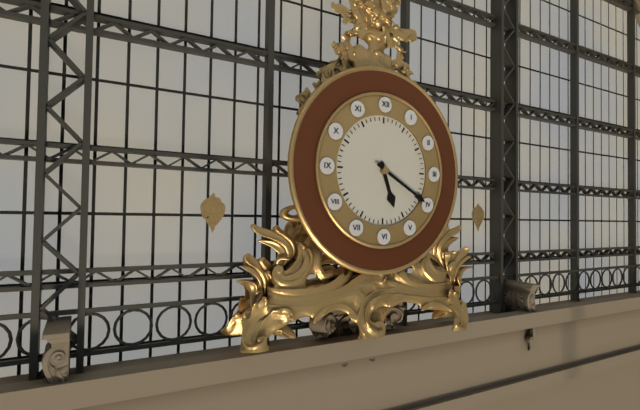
**5:20**
